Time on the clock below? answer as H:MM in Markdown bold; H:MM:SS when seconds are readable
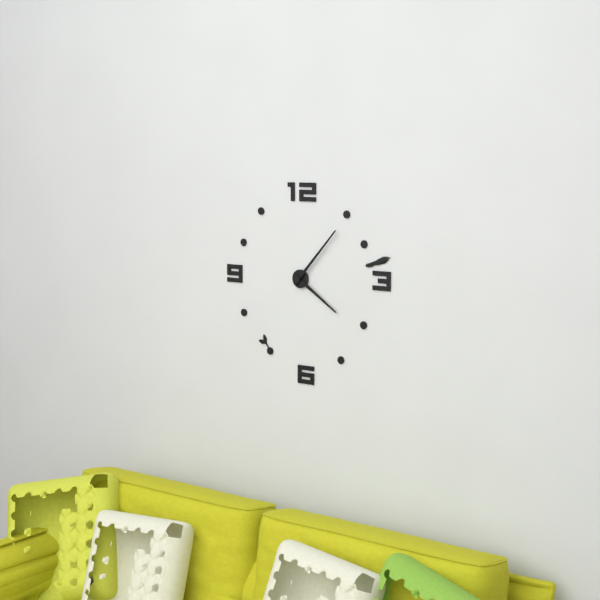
**4:07**
